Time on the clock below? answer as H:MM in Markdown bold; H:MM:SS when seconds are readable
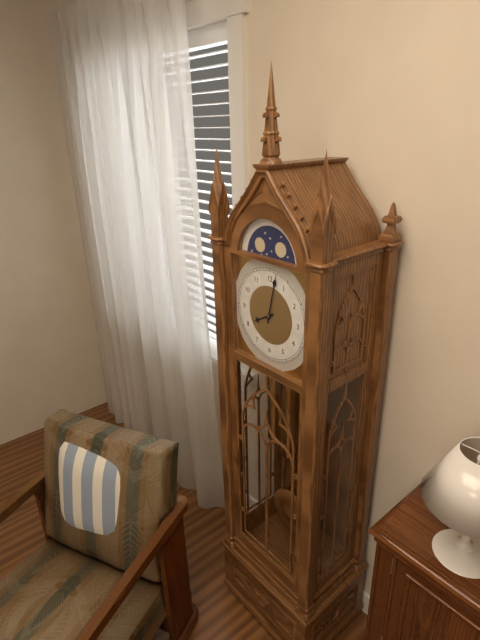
**8:02**
